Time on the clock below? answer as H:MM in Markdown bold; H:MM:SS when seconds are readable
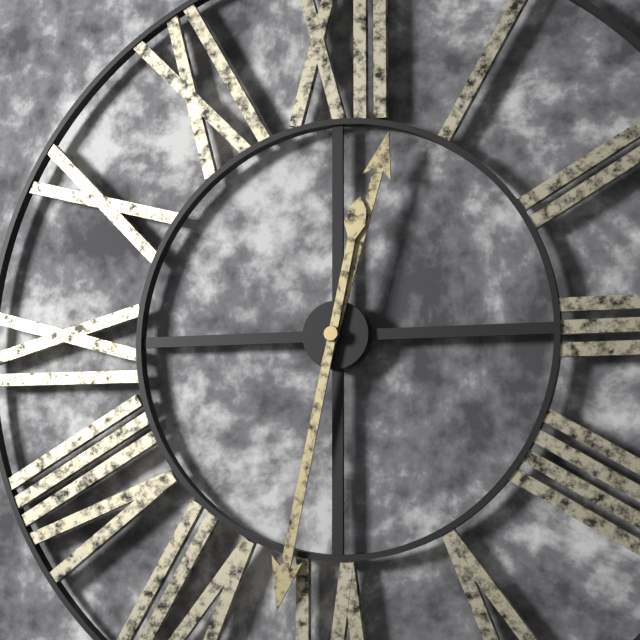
**12:32**
